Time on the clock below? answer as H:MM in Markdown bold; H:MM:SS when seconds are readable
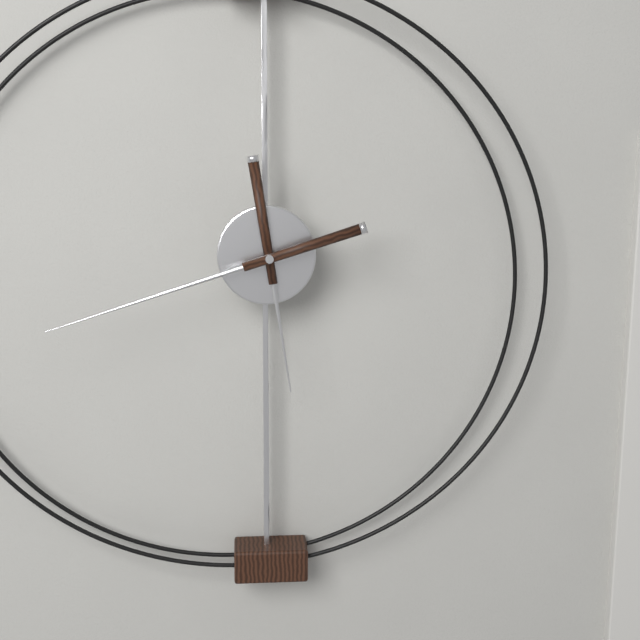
**5:42**
